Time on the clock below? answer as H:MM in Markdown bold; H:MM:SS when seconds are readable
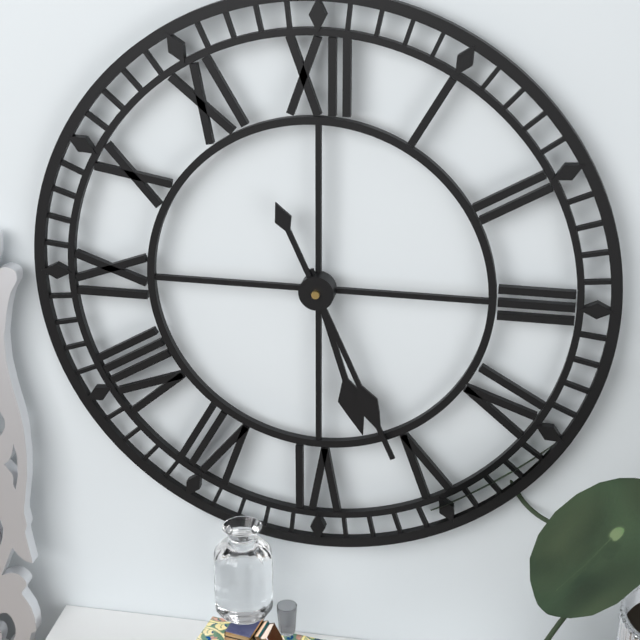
**5:26**
